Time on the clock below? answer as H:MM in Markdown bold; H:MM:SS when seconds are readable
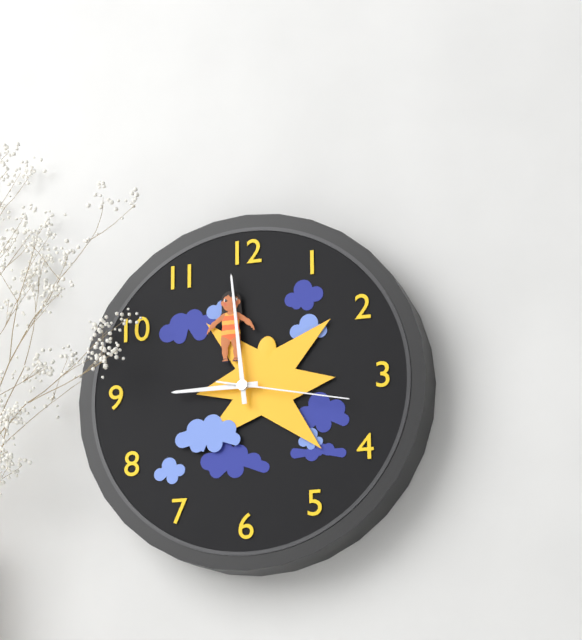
**8:59:17**
